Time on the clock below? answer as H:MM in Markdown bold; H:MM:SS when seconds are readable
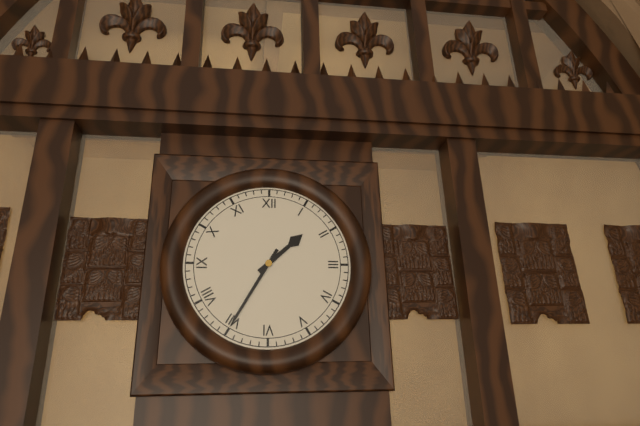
**1:35**
